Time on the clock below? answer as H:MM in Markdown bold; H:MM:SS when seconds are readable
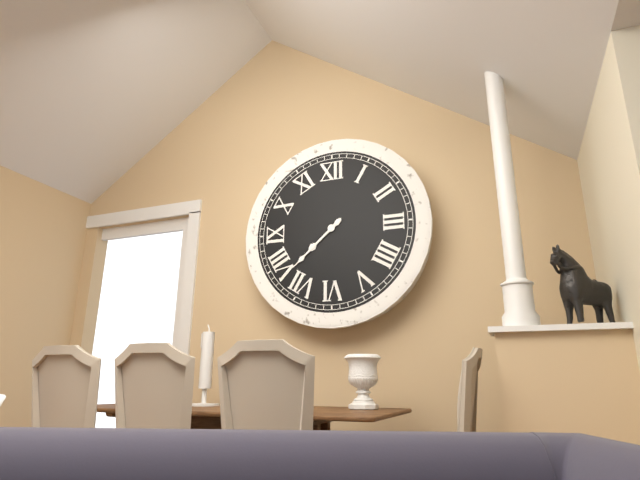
**7:38**
